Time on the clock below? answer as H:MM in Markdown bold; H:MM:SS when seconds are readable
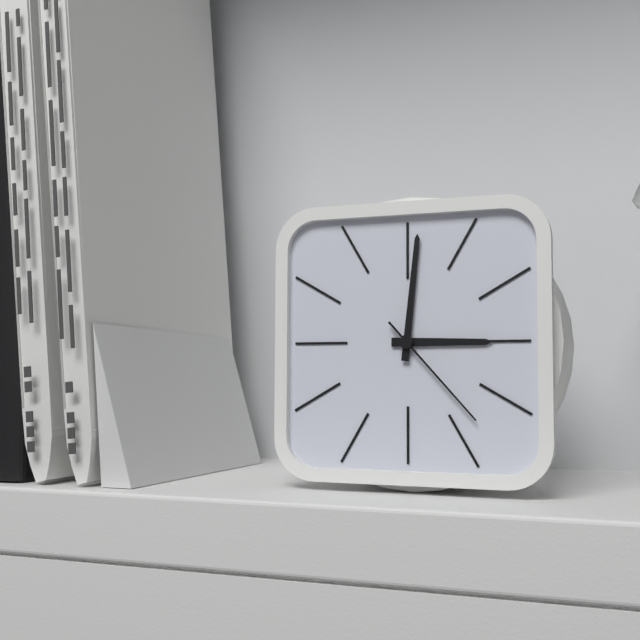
**3:01:23**
